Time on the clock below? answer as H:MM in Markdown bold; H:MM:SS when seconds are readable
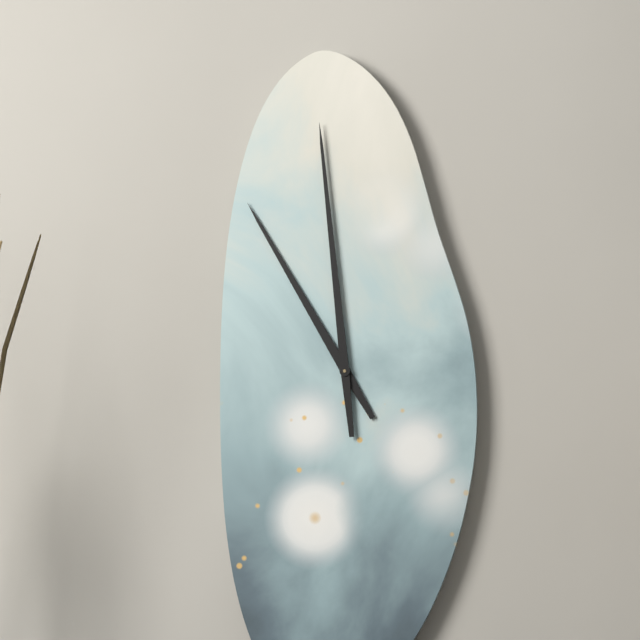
**10:59**
